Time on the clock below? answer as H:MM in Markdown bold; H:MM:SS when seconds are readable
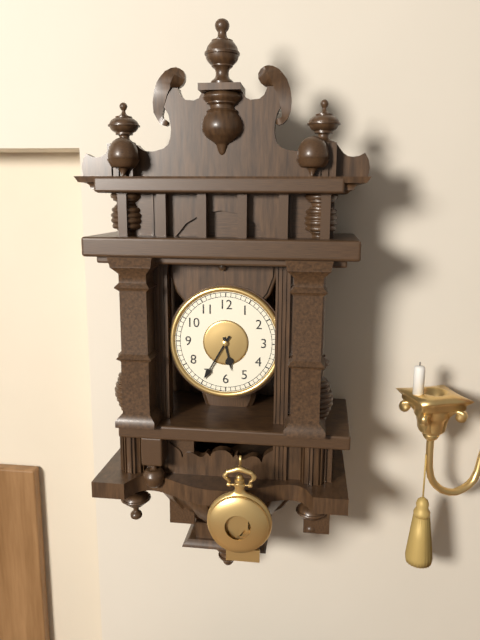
**5:35**
